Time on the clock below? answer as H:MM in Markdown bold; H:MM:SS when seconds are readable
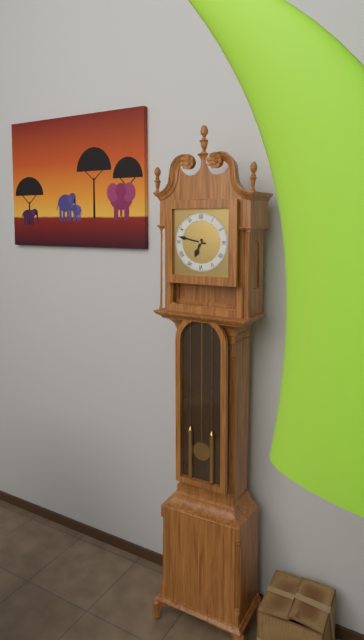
**6:47**
